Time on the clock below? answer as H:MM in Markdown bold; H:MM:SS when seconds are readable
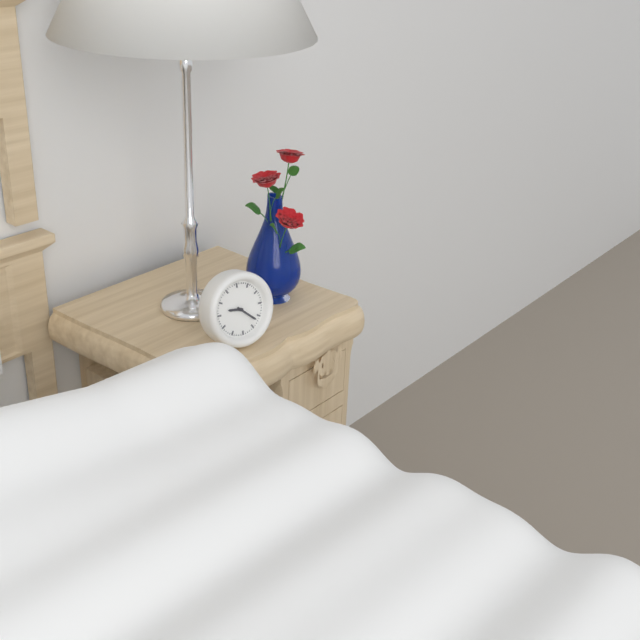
**9:22**
